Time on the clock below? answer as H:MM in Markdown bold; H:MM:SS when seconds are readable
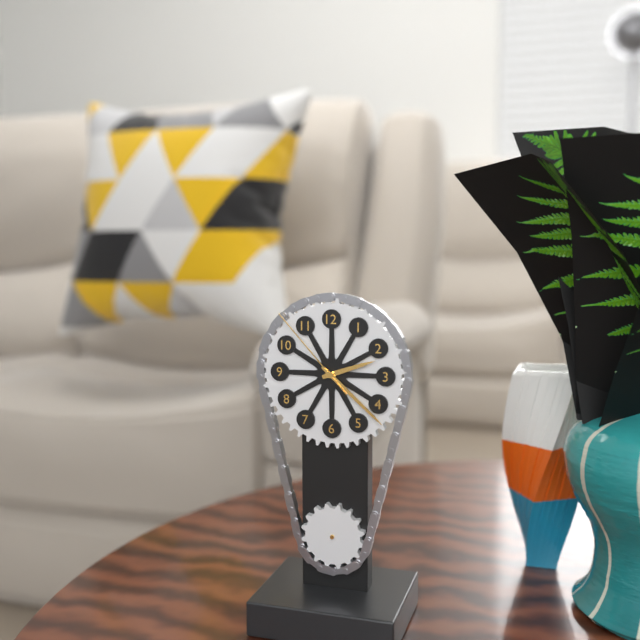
**2:22:53**
